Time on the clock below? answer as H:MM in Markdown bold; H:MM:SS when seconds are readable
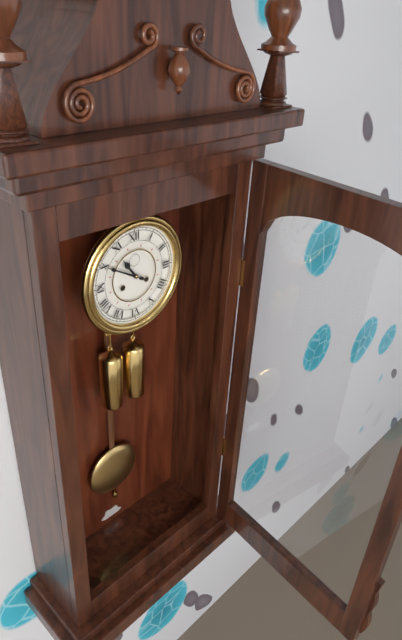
**10:50**
